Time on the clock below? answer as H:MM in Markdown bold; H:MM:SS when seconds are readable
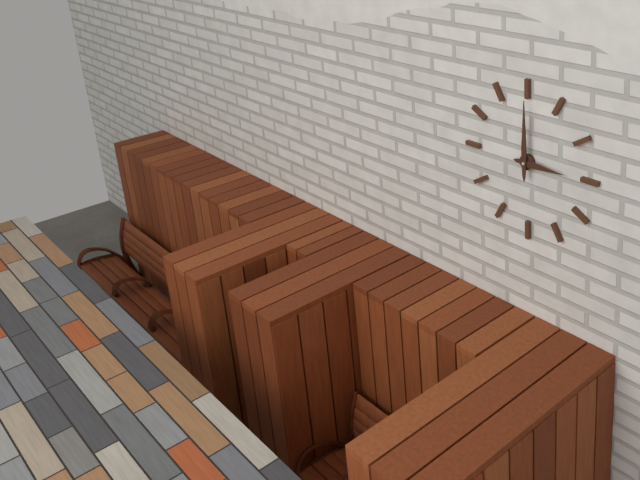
**3:00**
